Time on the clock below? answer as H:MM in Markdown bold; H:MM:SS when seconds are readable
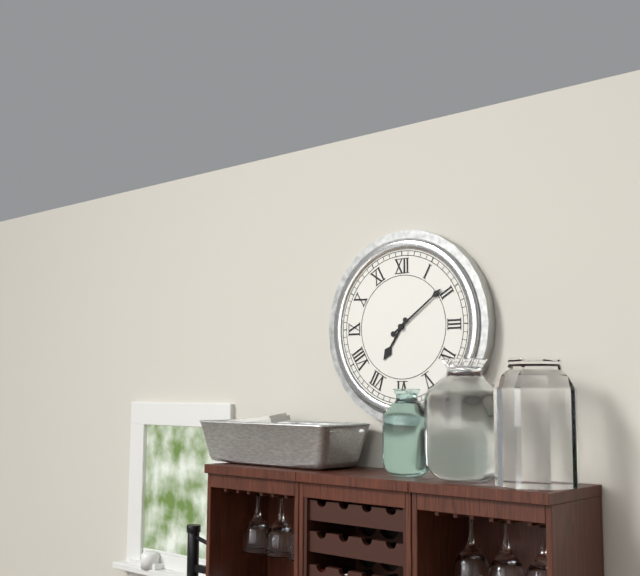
**7:09**
